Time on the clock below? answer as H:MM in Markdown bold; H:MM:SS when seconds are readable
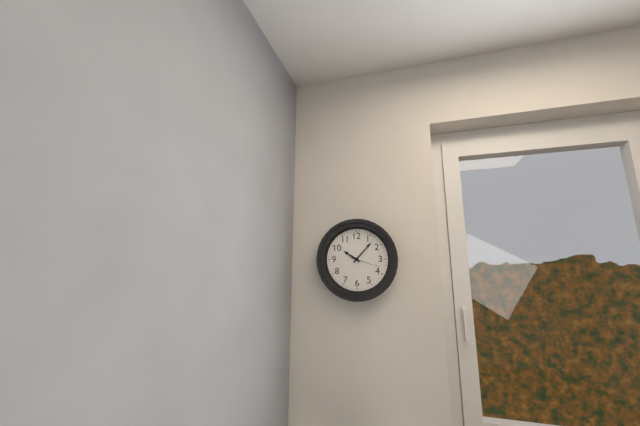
**10:07**
